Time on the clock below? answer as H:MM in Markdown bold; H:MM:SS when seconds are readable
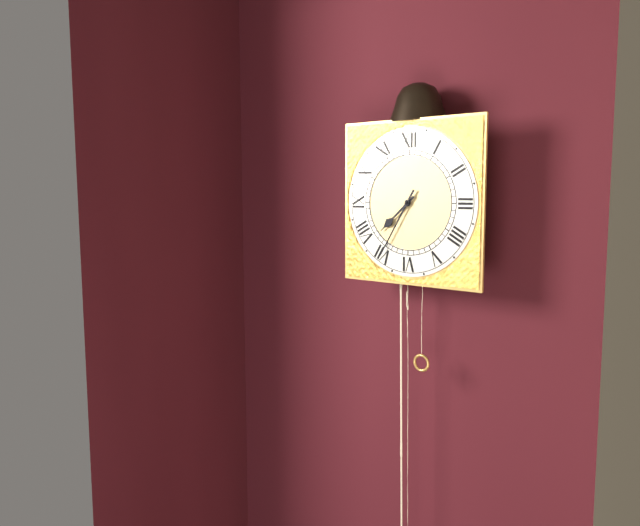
**7:35**
